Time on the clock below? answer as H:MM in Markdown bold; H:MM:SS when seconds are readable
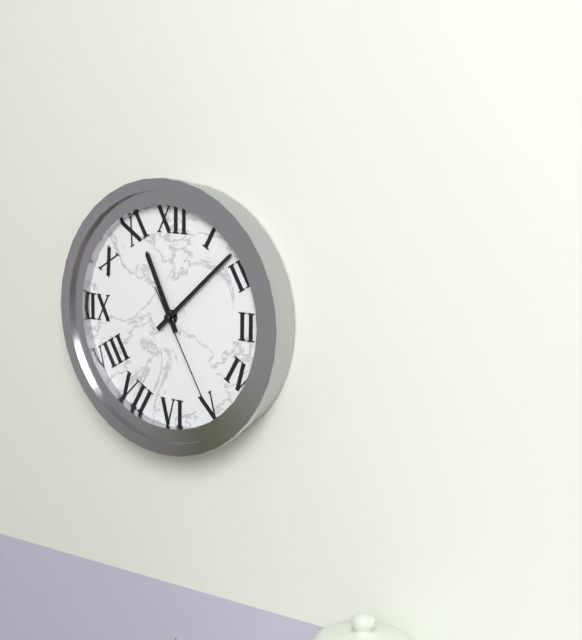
**11:08:25**
